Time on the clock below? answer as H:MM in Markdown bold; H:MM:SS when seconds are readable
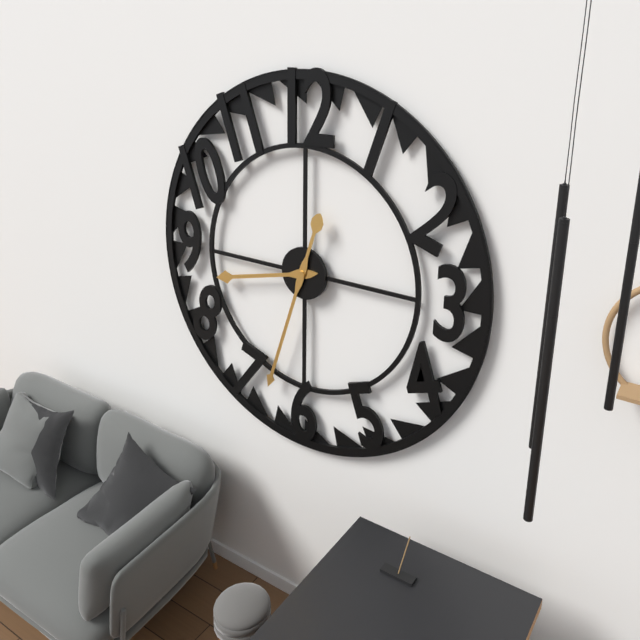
**8:33**
